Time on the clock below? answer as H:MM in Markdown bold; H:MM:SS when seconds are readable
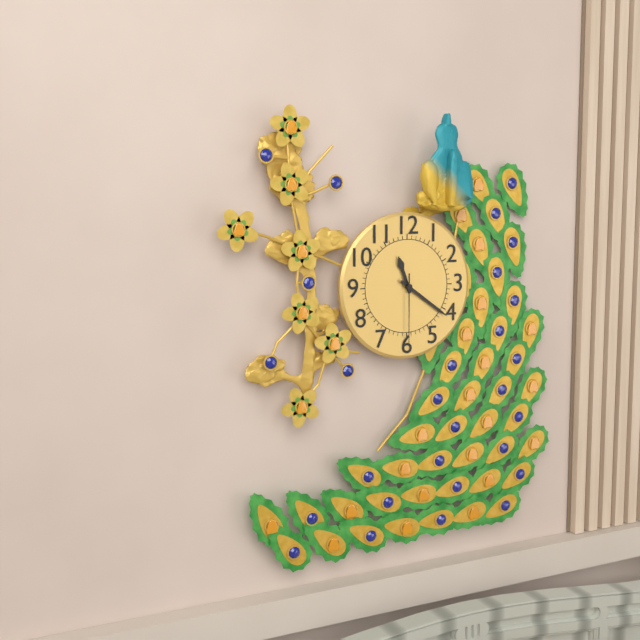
**11:21:30**
